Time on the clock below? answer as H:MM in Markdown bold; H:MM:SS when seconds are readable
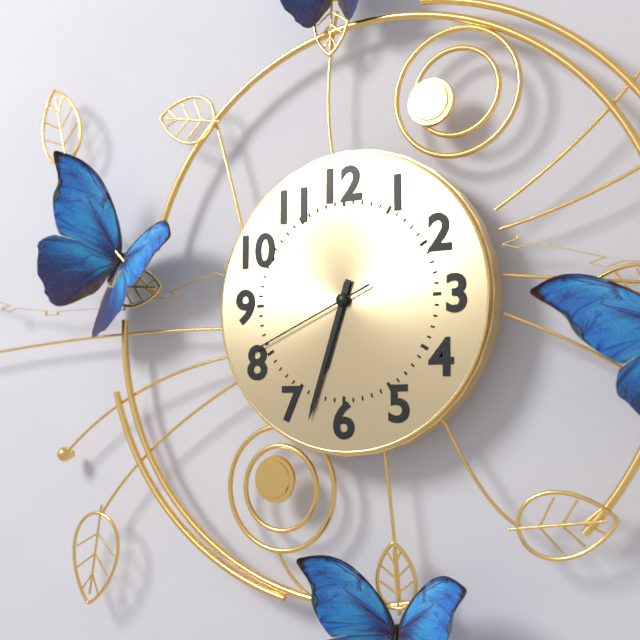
**6:33:41**
